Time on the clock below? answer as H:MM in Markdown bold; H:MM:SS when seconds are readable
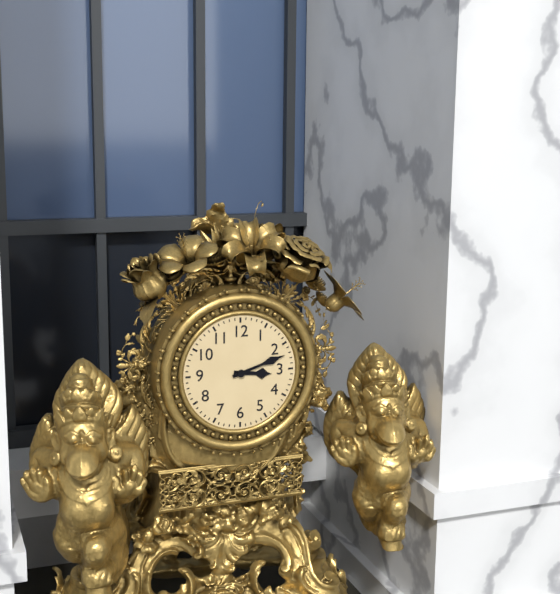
**3:12**
